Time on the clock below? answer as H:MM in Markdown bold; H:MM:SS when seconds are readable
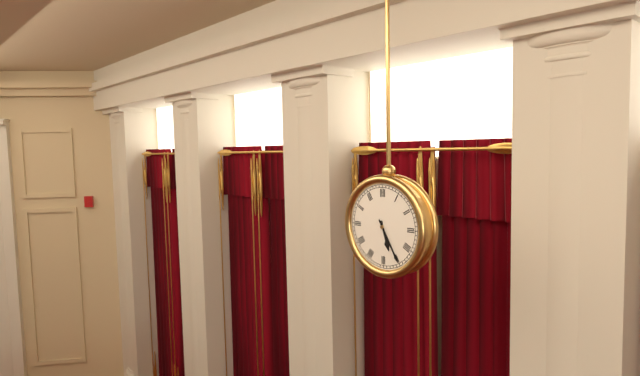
**5:25**
